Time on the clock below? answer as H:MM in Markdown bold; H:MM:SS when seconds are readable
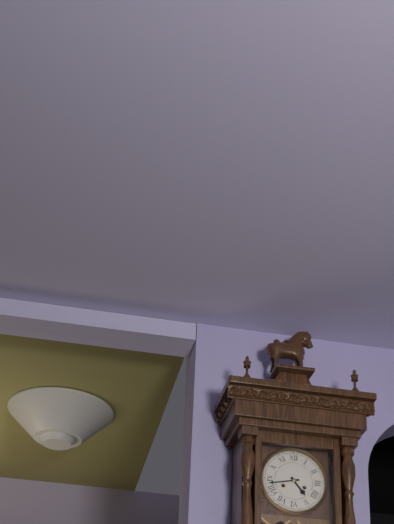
**4:43**
